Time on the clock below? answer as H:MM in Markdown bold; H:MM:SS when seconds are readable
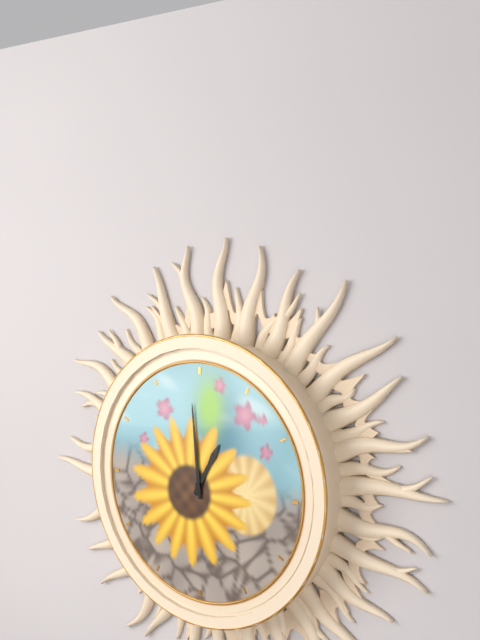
**12:59**
